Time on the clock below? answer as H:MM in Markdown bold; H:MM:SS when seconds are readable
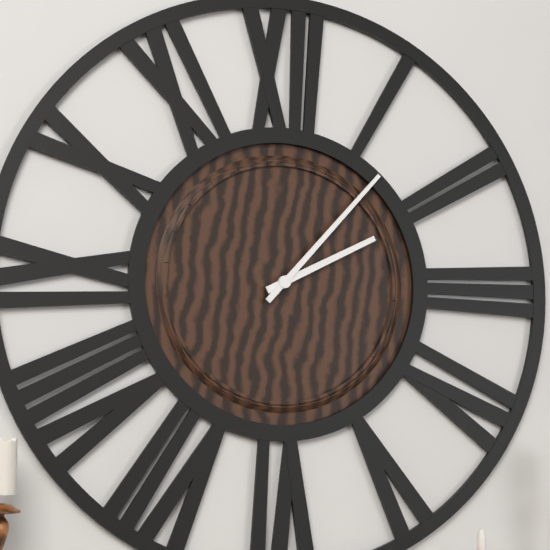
**2:07**
